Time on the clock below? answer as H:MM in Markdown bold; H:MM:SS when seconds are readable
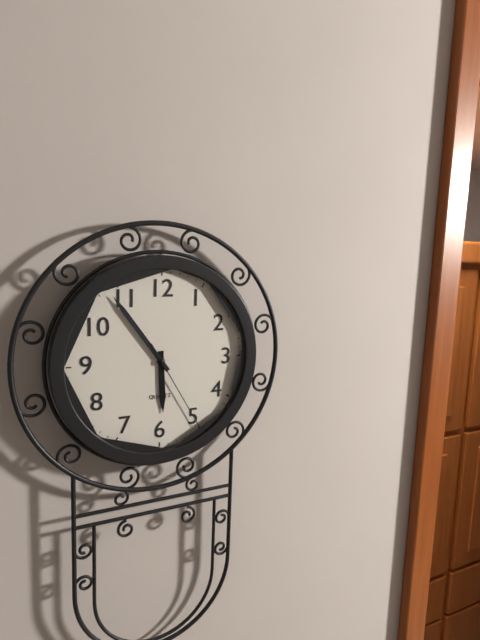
**5:54:25**
